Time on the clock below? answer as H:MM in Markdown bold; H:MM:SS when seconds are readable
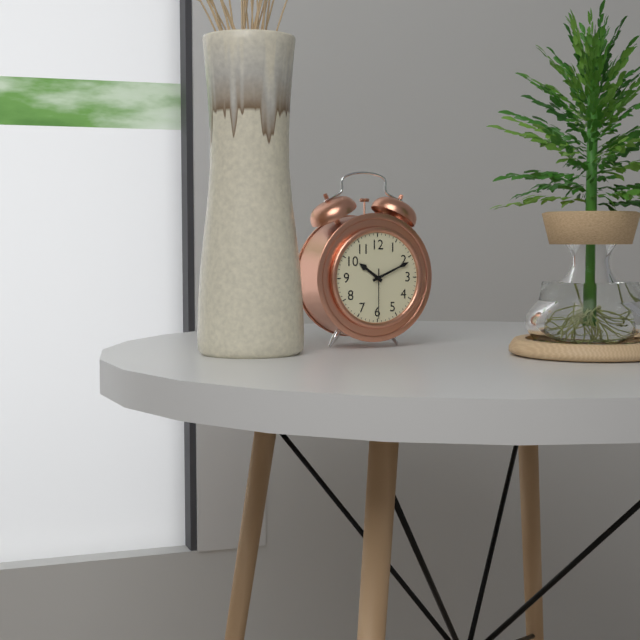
**10:11:30**
